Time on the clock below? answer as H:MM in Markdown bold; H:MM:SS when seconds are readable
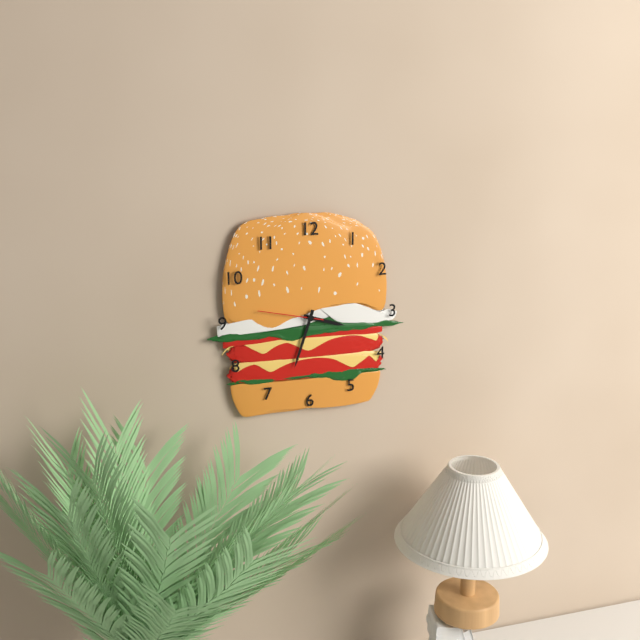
**3:33:47**
